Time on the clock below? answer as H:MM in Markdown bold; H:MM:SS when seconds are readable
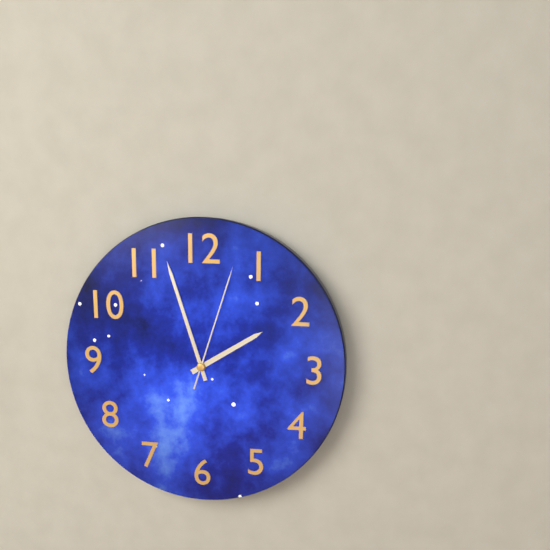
**1:57:03**
